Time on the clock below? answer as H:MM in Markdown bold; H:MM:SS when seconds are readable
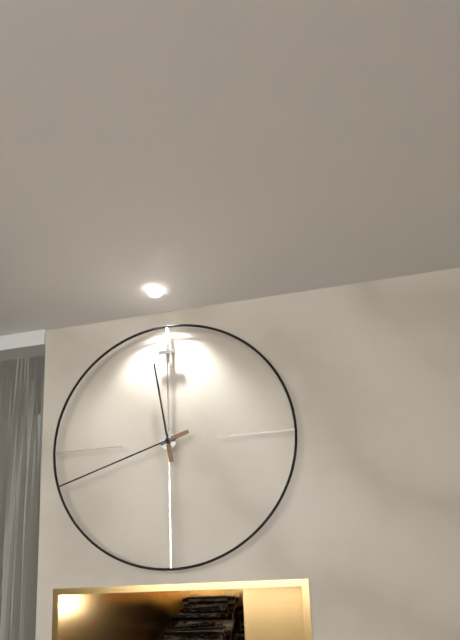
**11:42**
